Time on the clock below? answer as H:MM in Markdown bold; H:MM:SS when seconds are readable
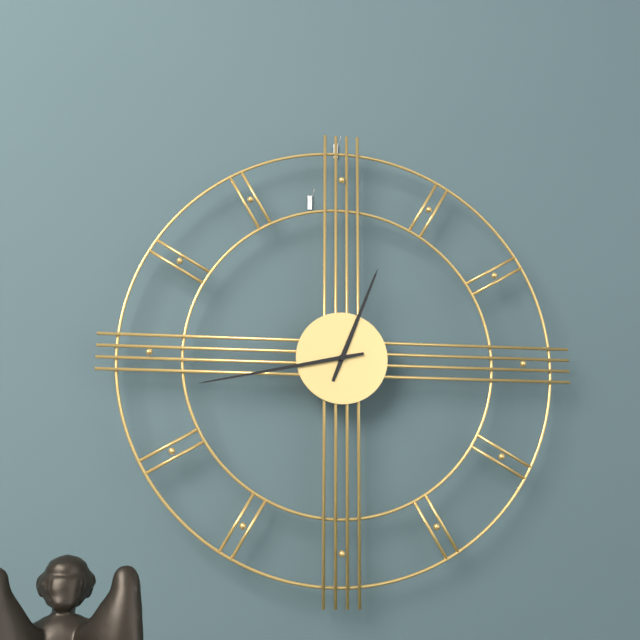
**12:43**
